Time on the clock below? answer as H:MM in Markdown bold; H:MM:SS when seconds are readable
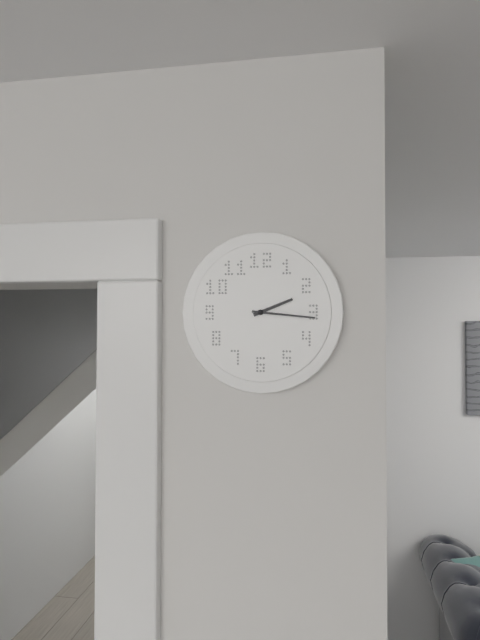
**2:16**
